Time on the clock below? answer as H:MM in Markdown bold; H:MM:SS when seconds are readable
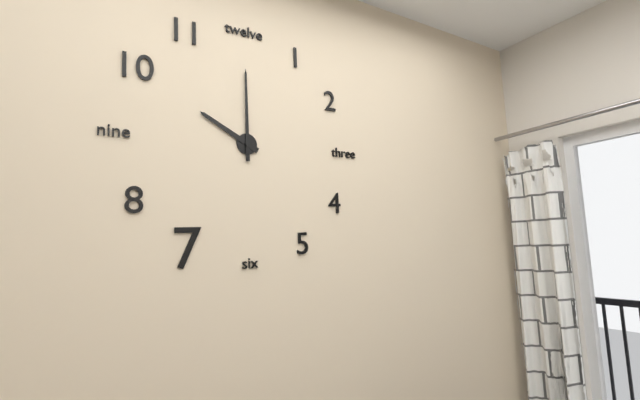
**10:00**
